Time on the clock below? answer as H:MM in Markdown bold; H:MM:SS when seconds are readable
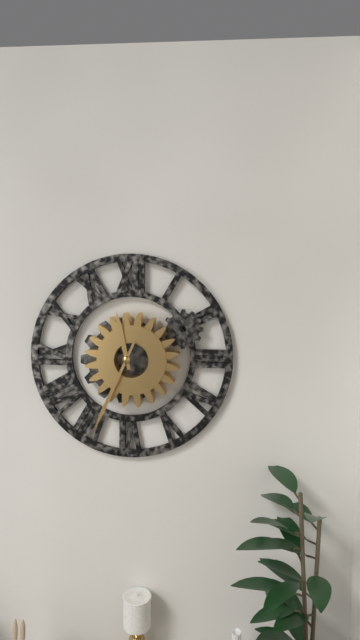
**11:34**
